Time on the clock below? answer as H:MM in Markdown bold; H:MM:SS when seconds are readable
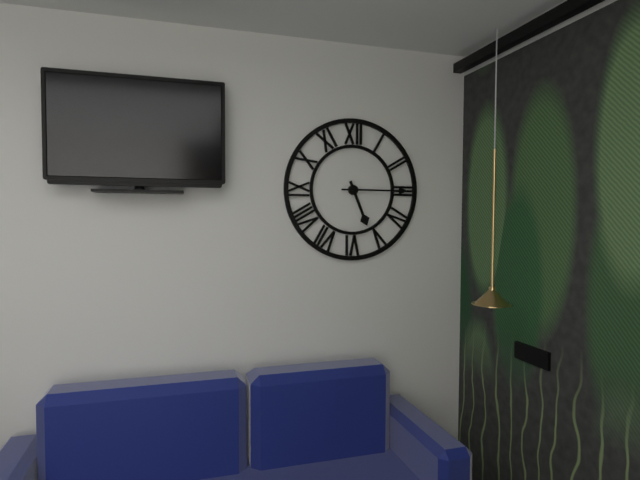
**5:15**
